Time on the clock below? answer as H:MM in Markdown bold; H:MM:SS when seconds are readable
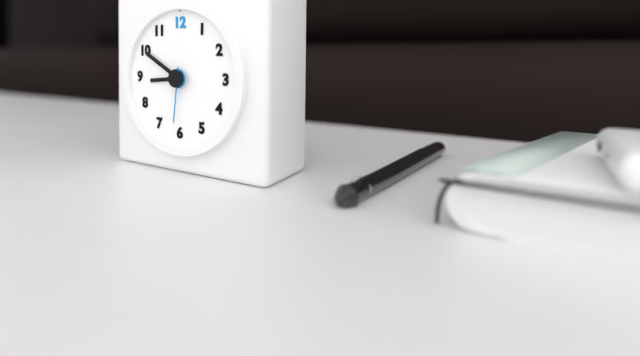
**8:50:31**
